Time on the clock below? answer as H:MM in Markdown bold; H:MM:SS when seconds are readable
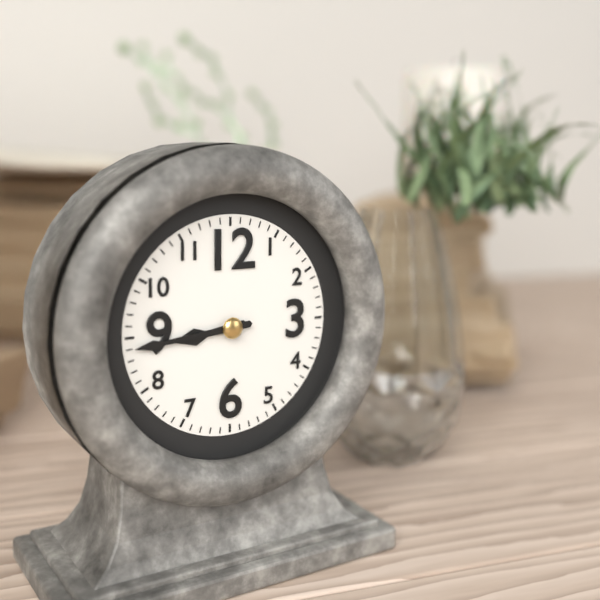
**8:44**
